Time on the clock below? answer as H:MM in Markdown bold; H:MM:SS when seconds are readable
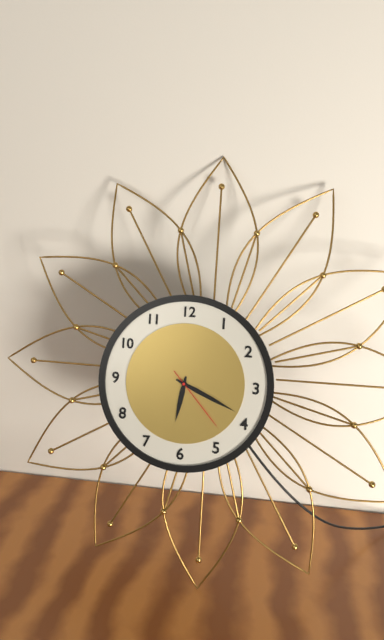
**6:19:23**
